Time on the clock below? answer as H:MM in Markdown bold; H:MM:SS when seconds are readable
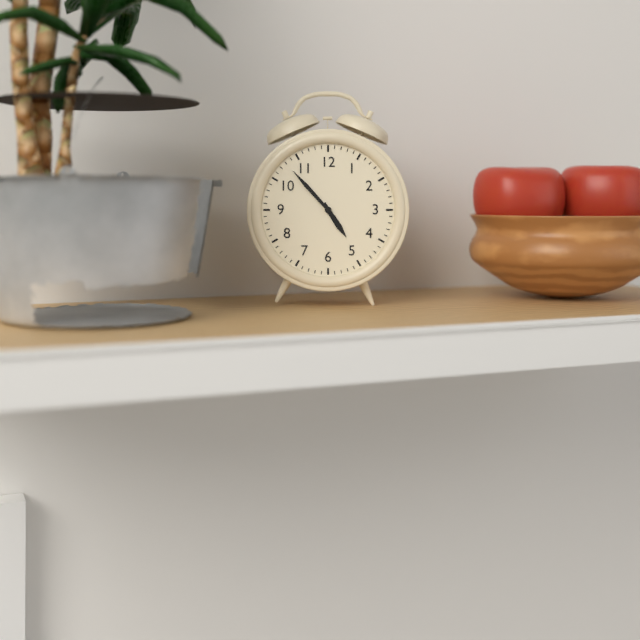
**4:53**
